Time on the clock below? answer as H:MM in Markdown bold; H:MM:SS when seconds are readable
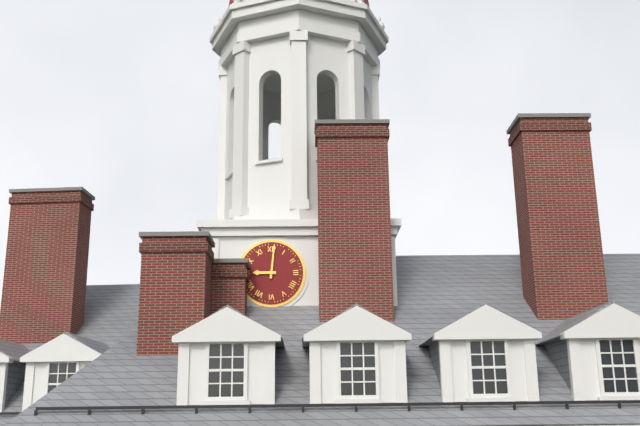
**9:01**
